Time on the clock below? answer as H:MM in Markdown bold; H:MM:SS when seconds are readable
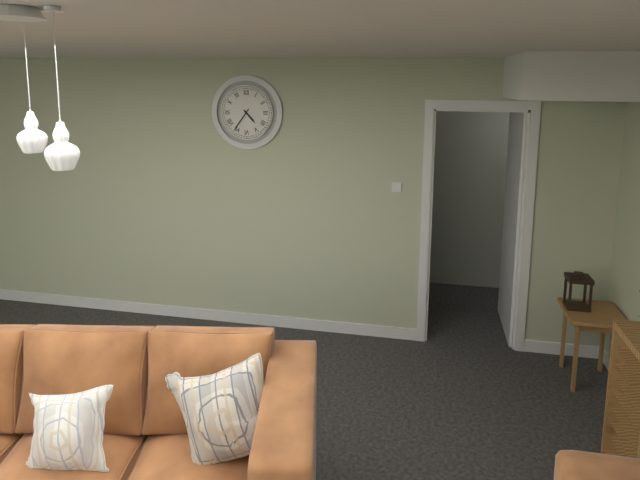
**4:36**
